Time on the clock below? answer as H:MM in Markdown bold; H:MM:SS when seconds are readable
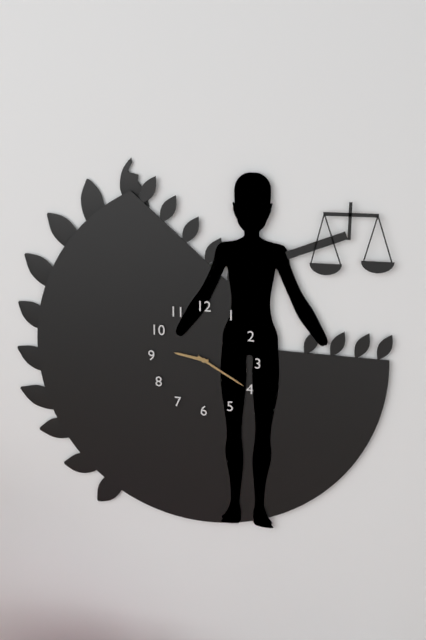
**9:20**
